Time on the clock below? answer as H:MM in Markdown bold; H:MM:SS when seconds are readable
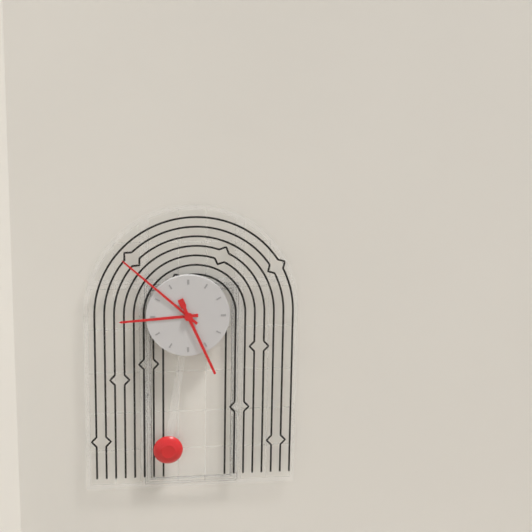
**8:52:26**
